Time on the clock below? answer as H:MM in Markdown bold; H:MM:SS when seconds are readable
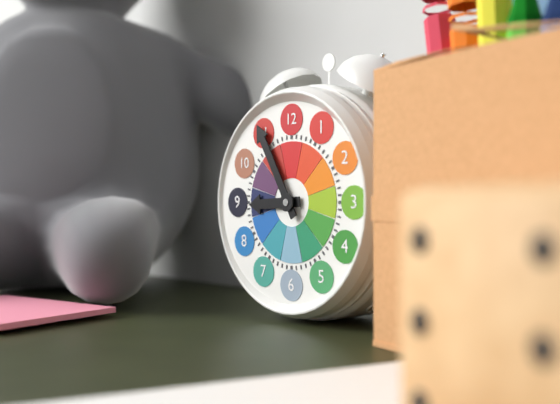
**8:55**
